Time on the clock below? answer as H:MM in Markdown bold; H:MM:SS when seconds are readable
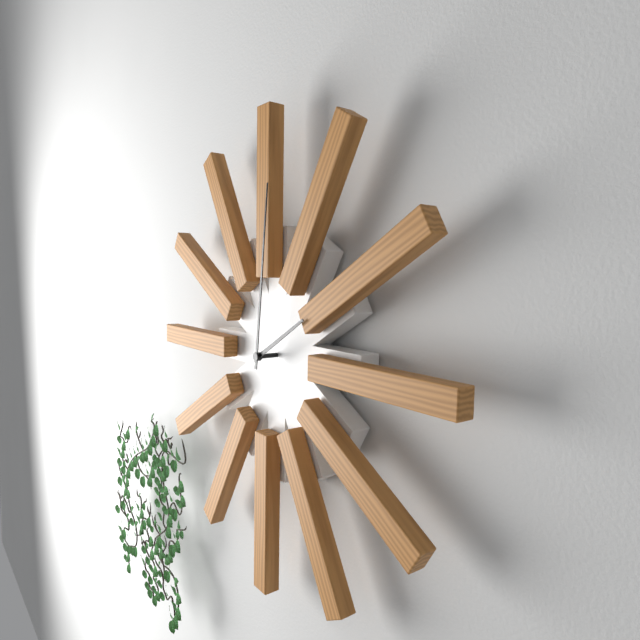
**2:01**
